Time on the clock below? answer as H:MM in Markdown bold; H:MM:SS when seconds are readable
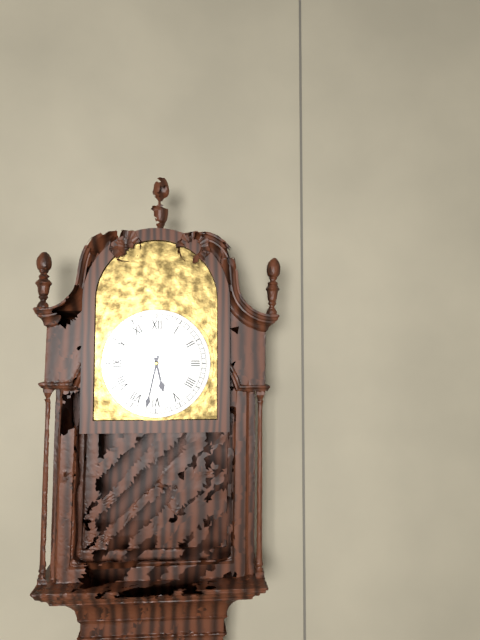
**5:32**
